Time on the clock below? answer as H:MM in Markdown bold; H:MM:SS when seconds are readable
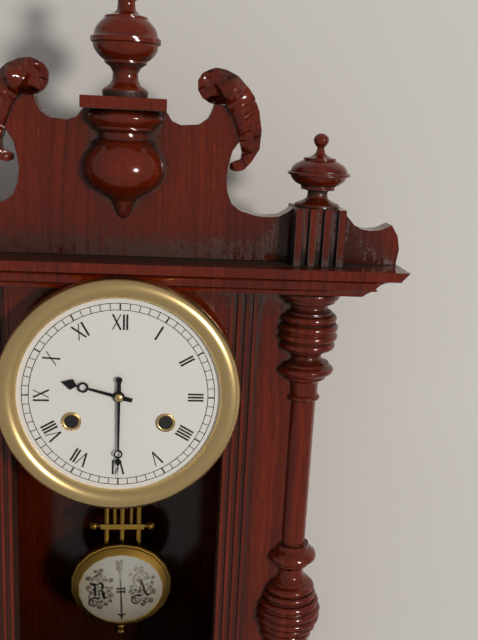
**9:30**
